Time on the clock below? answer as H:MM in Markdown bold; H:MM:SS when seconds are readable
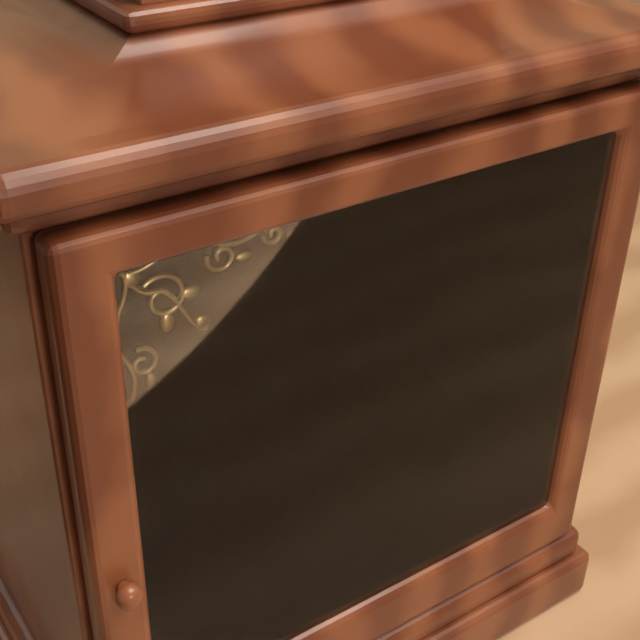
**10:24**
